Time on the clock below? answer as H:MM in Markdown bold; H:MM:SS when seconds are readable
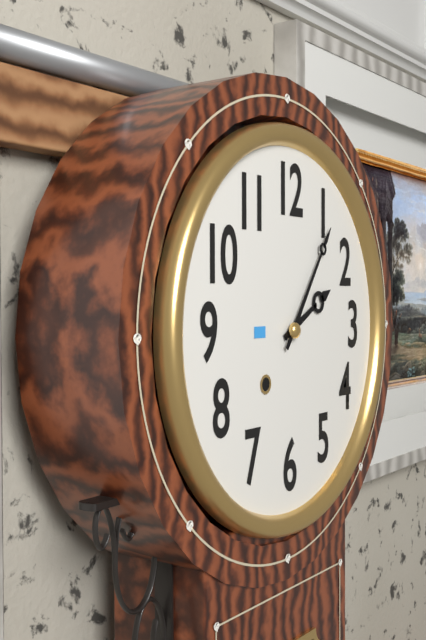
**2:06**
